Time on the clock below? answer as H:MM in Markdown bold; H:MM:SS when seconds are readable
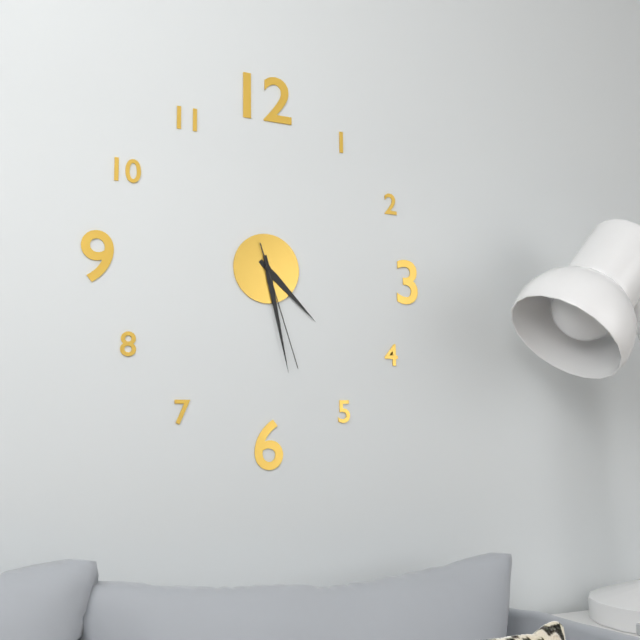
**4:28:27**
